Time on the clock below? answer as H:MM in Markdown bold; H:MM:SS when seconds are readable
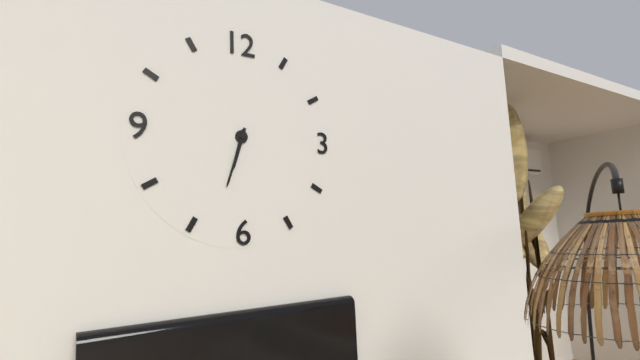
**6:33**
